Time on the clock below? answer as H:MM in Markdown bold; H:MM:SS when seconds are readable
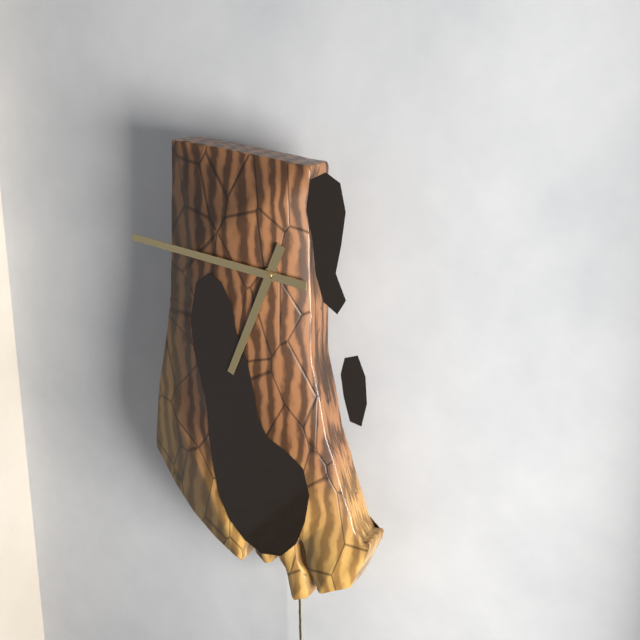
**6:46**
